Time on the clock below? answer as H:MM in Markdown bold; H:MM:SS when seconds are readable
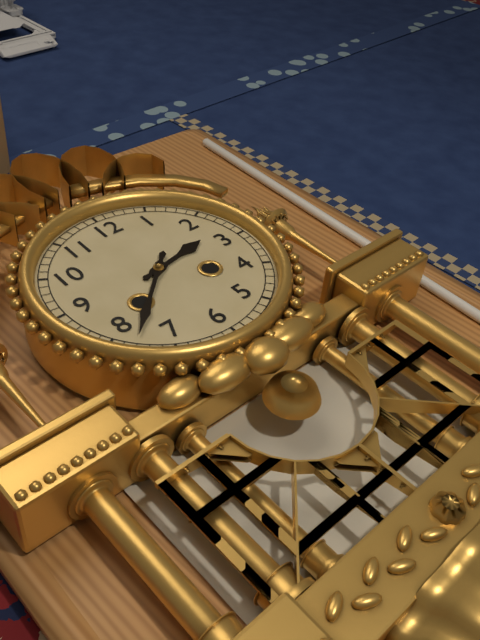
**2:38**
